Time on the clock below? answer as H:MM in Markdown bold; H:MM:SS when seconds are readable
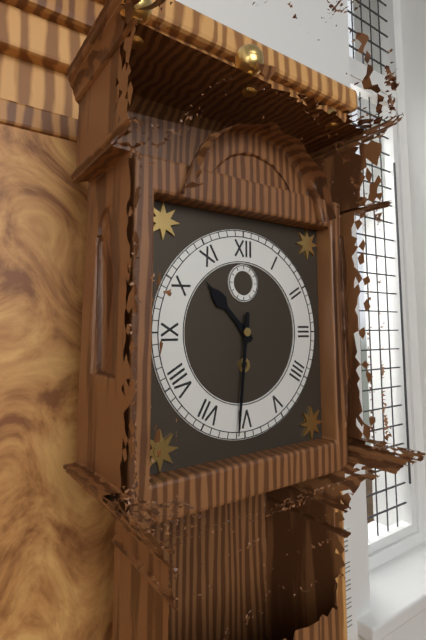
**10:31**
